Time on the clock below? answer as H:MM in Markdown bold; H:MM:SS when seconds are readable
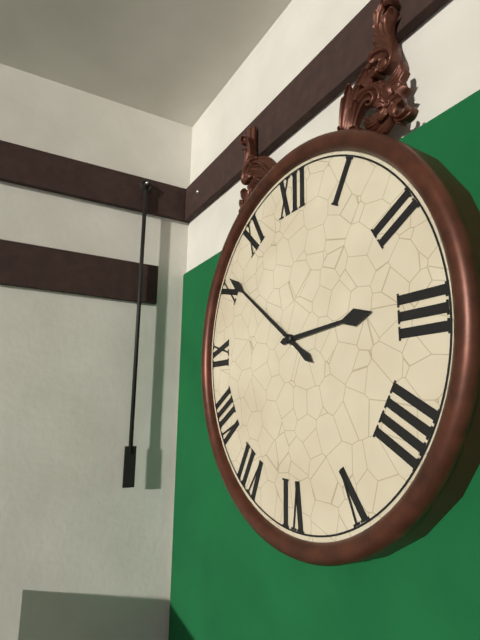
**2:51**
